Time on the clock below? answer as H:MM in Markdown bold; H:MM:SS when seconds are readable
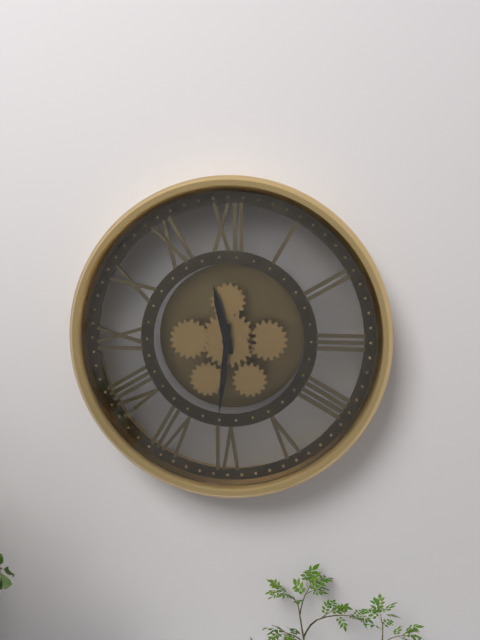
**11:31**
